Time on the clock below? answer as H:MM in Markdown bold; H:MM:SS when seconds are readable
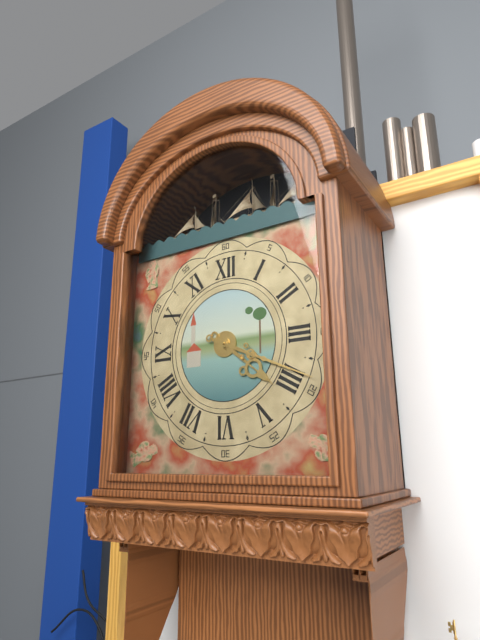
**4:19**
